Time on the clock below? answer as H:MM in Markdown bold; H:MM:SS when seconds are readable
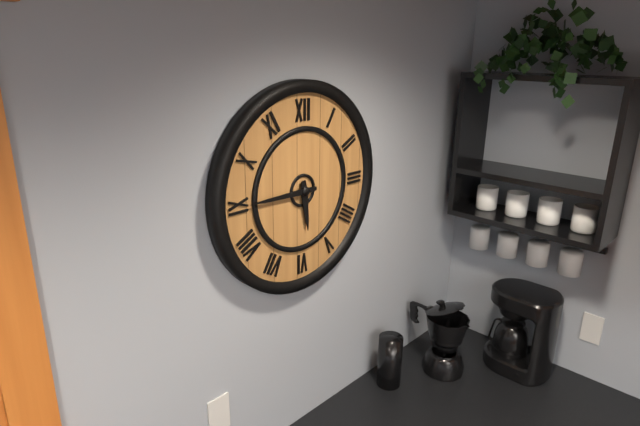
**5:45**
